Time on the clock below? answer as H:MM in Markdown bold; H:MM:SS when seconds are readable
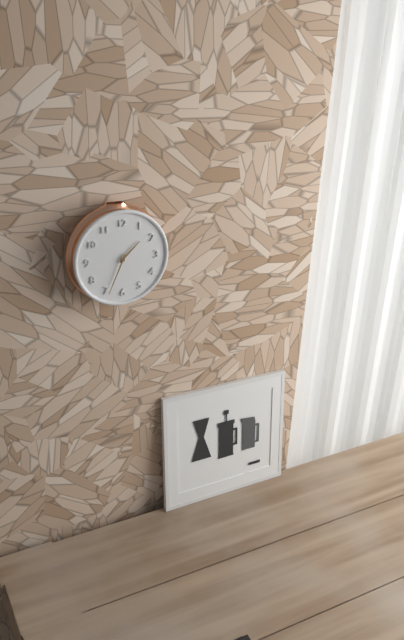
**1:34**
